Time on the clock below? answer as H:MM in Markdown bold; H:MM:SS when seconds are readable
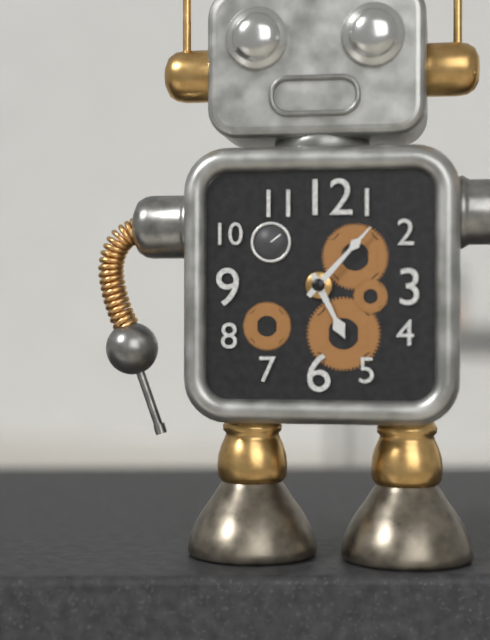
**5:07**
